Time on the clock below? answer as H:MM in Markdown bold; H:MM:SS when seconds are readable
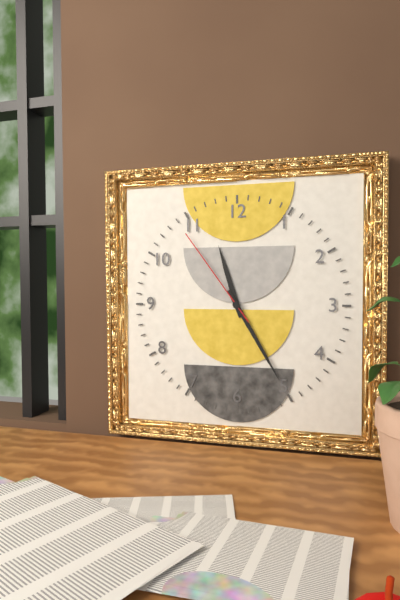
**11:25:54**
